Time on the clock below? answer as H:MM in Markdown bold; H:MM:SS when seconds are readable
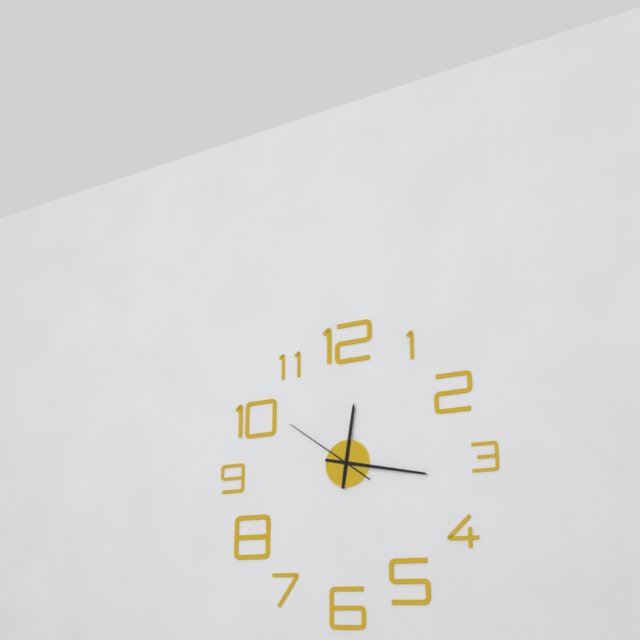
**12:17:51**
